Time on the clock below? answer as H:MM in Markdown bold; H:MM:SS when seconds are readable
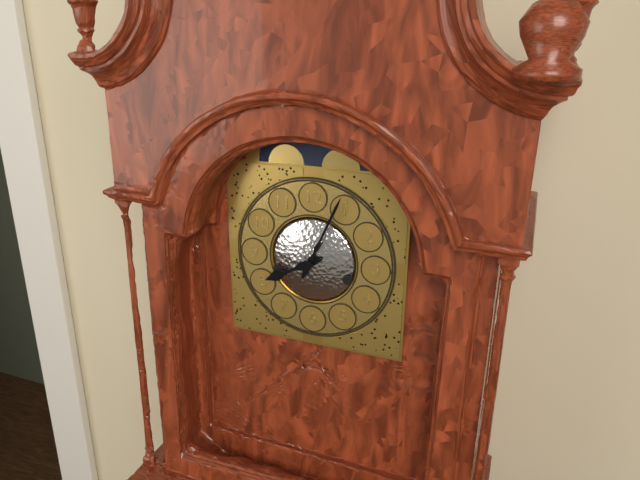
**8:04**
